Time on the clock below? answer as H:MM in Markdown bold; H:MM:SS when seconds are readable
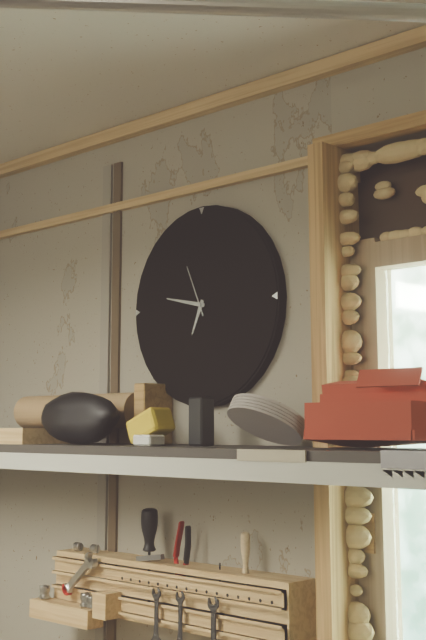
**6:47:56**
